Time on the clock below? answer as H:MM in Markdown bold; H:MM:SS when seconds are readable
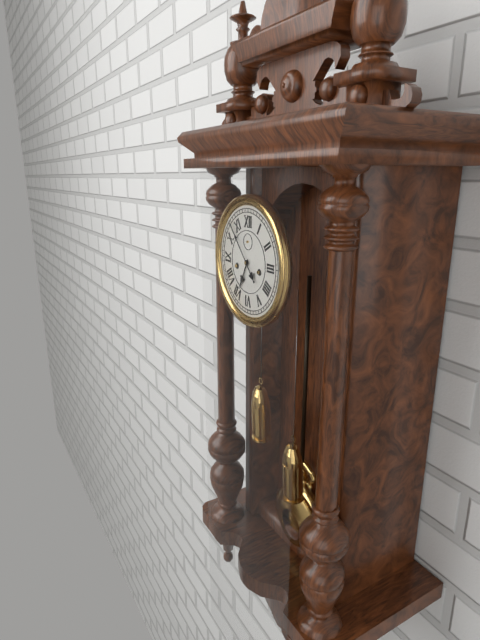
**6:53**
